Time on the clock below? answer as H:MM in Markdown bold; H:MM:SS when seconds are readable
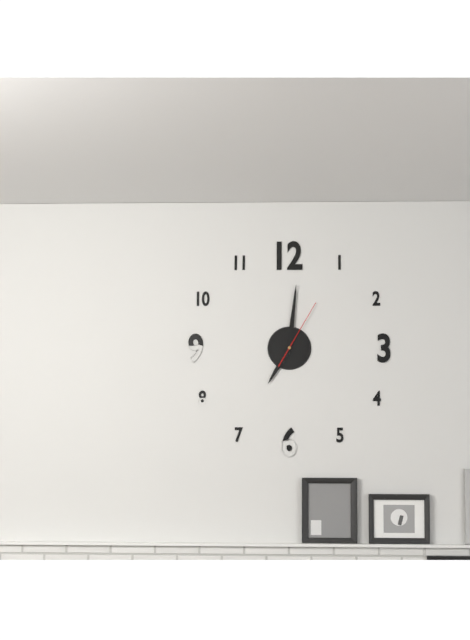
**7:01:05**
